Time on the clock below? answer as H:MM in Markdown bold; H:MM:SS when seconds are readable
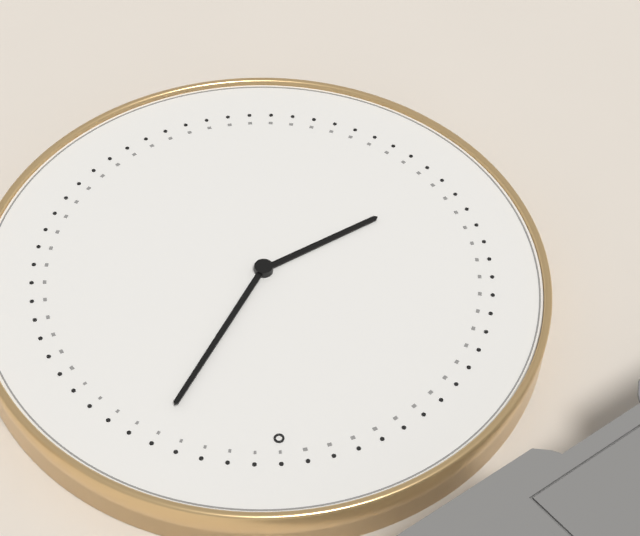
**8:05**
